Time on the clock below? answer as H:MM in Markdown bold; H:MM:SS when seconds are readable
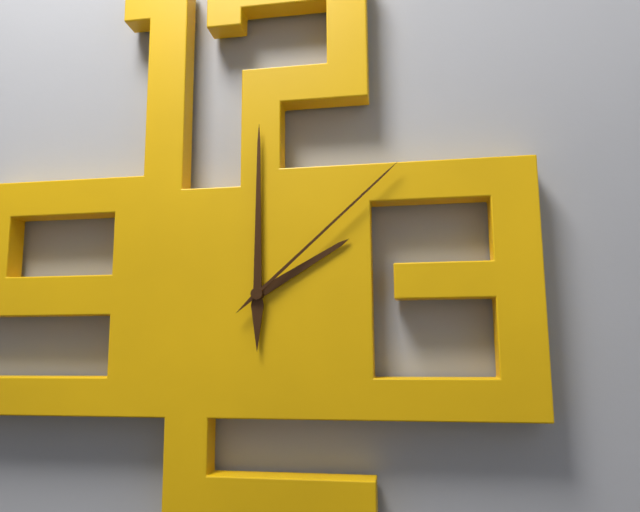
**2:00:08**
